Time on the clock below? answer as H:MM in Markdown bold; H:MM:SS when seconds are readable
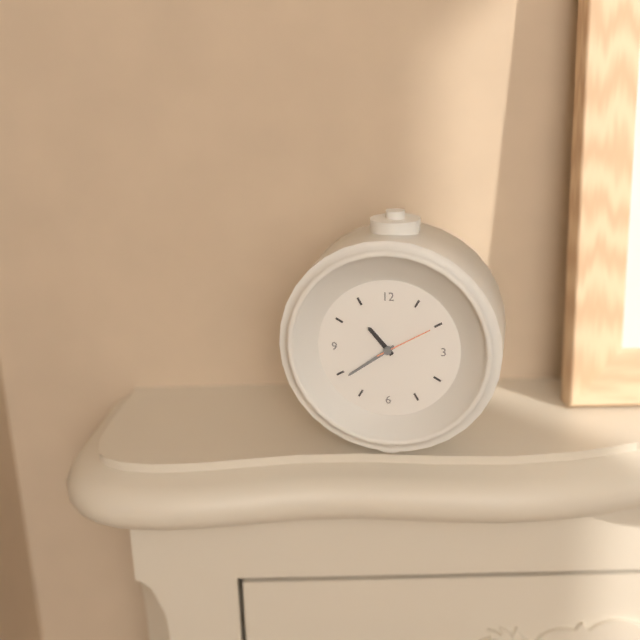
**10:39:10**
